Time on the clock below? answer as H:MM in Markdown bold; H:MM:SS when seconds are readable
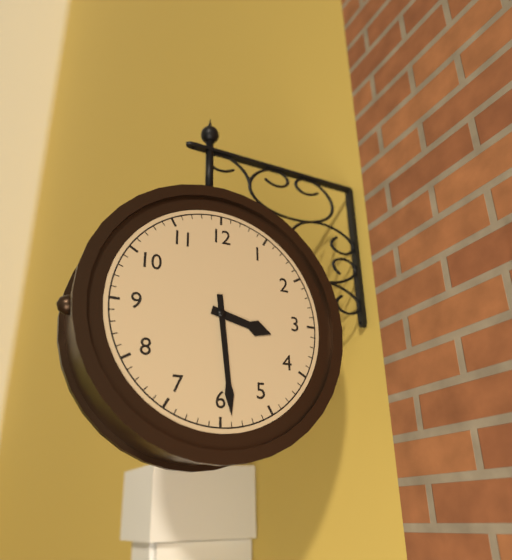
**3:29**
